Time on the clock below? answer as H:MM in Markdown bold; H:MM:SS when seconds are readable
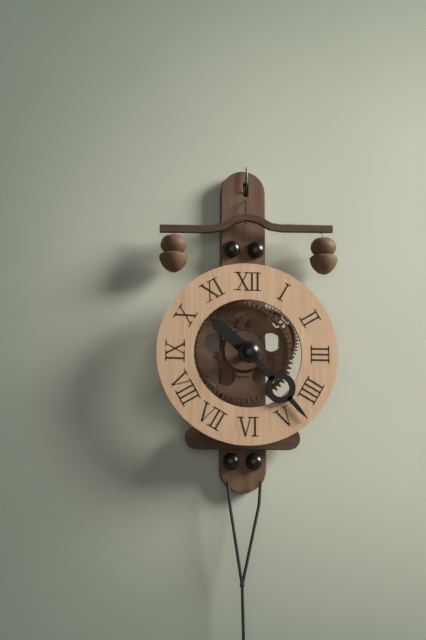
**10:23**
